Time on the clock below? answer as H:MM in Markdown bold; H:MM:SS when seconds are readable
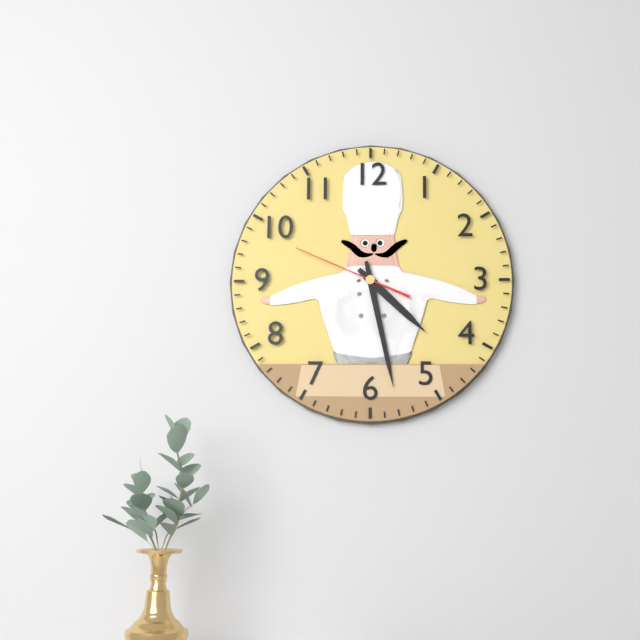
**4:28:49**
